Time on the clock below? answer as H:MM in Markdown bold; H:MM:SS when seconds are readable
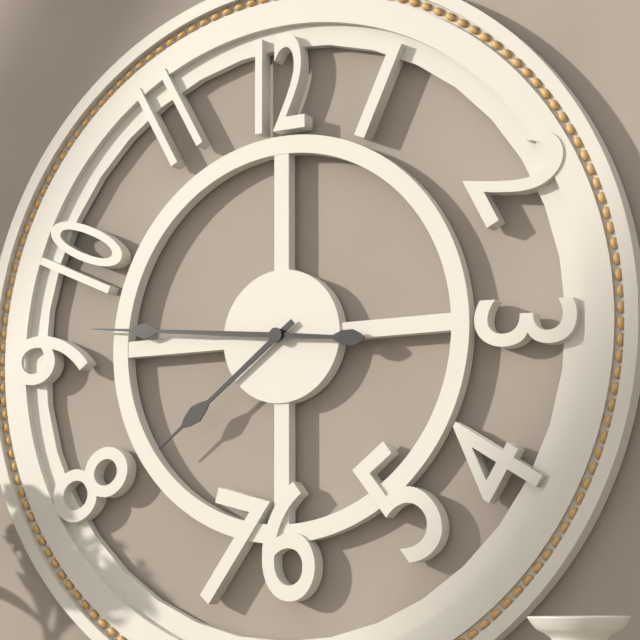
**7:46**
